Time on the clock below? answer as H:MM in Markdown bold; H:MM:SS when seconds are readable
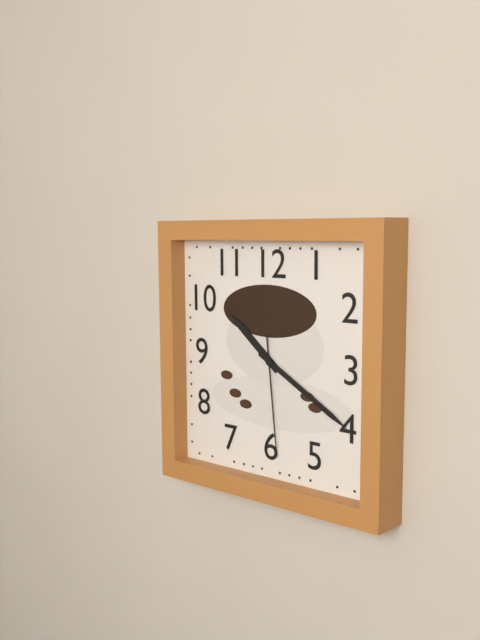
**10:20:29**
